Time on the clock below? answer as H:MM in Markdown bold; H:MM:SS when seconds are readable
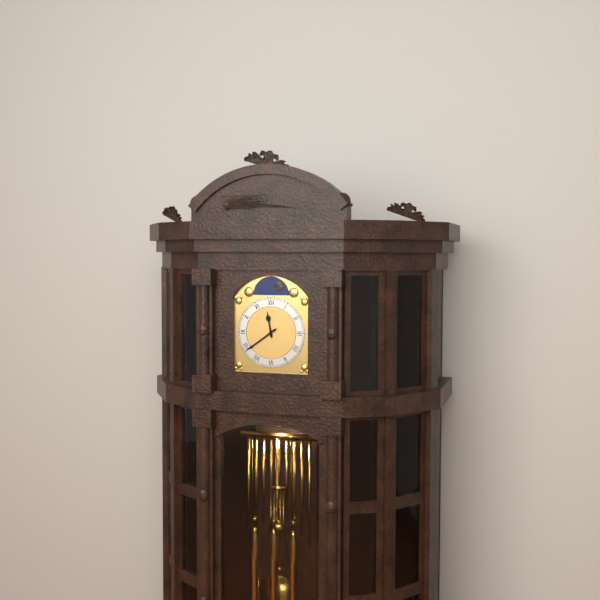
**11:39**
